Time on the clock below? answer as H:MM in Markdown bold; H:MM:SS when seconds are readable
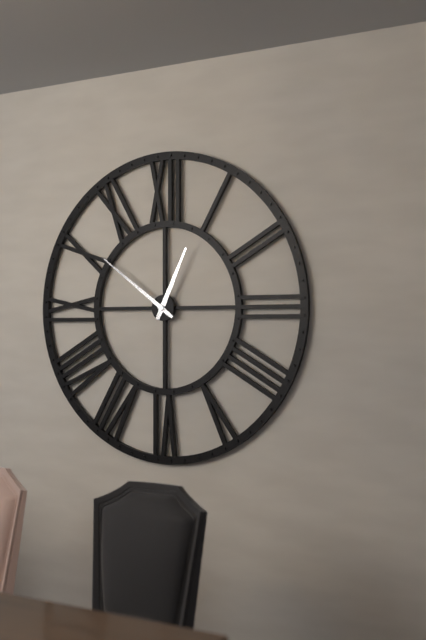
**12:51**
